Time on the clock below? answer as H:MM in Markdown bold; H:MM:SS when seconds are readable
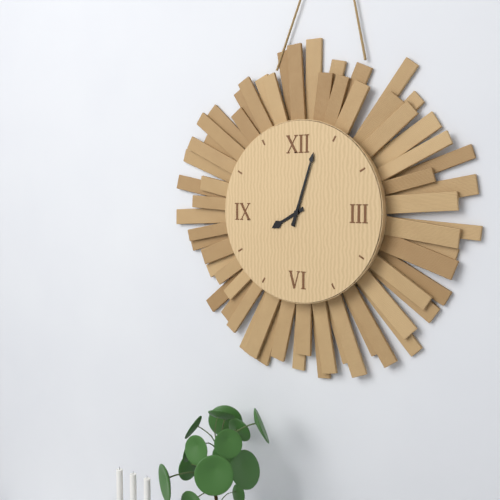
**8:03**
